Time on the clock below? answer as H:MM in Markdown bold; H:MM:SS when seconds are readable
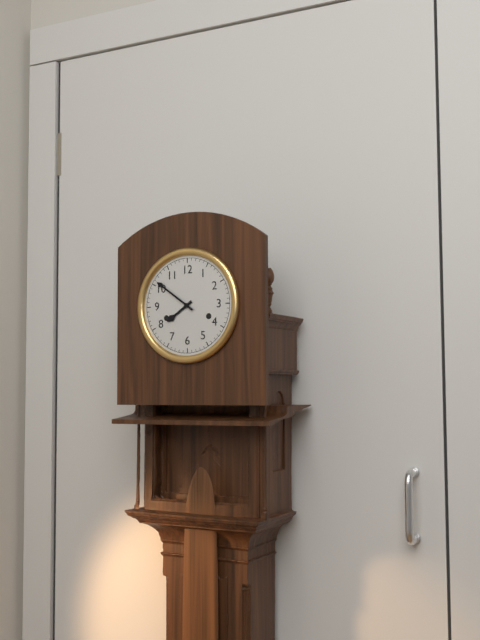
**7:51**
